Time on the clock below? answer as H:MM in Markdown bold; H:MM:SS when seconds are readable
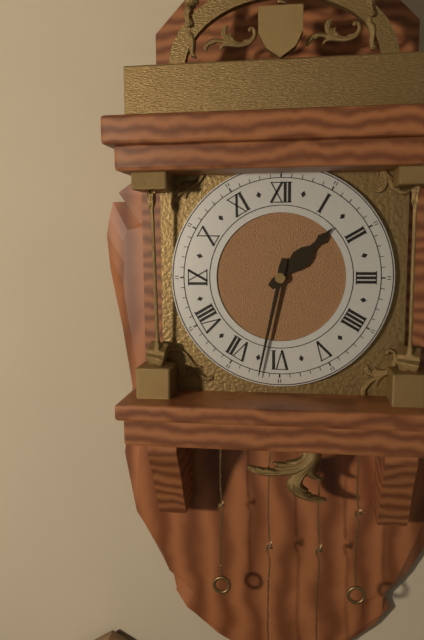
**1:32**
